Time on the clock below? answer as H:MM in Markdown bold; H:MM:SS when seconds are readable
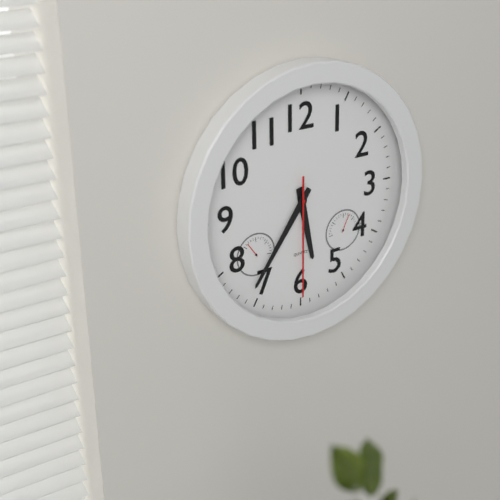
**5:36:30**
